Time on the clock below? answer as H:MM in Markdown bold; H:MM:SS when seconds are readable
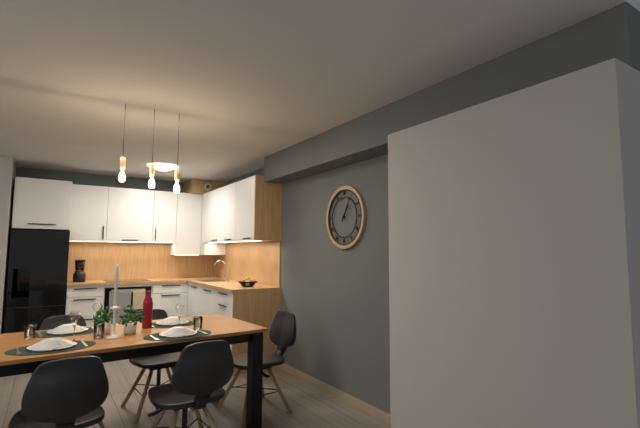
**1:05**
